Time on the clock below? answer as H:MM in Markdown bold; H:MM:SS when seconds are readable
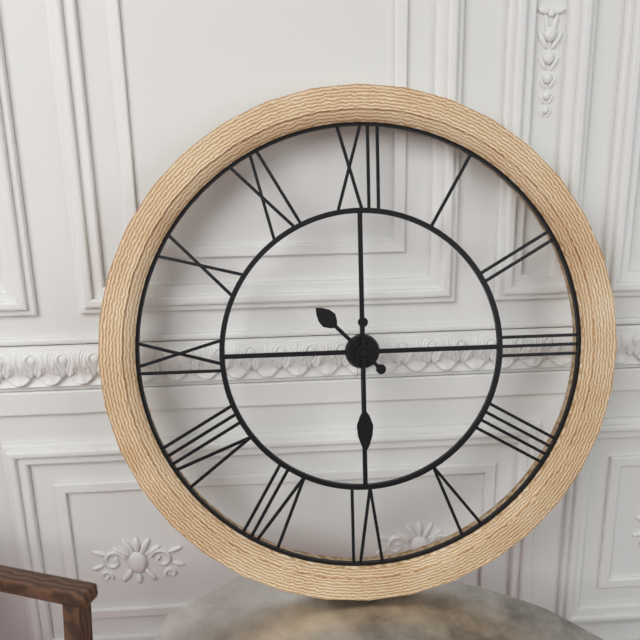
**10:30**
